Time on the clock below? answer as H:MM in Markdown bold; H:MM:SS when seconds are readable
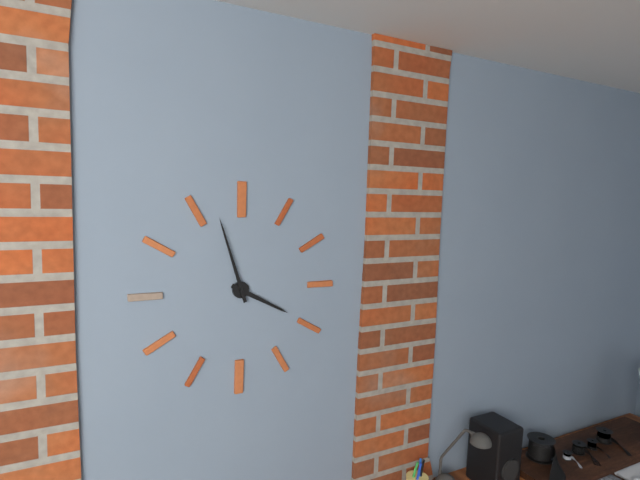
**3:57**
